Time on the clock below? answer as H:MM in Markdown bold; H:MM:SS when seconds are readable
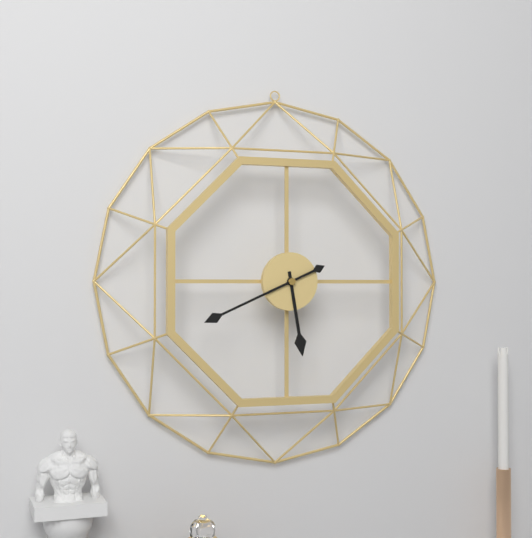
**5:41**
